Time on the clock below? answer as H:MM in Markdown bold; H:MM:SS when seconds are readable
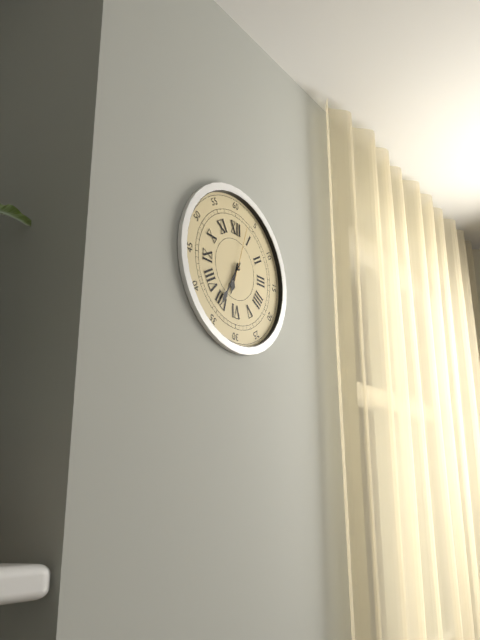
**6:35:03**
